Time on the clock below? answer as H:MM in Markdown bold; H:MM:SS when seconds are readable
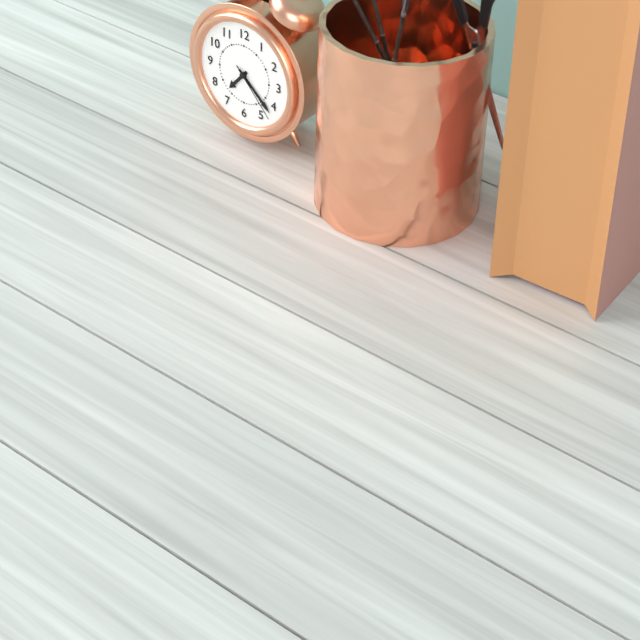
**7:22:23**
